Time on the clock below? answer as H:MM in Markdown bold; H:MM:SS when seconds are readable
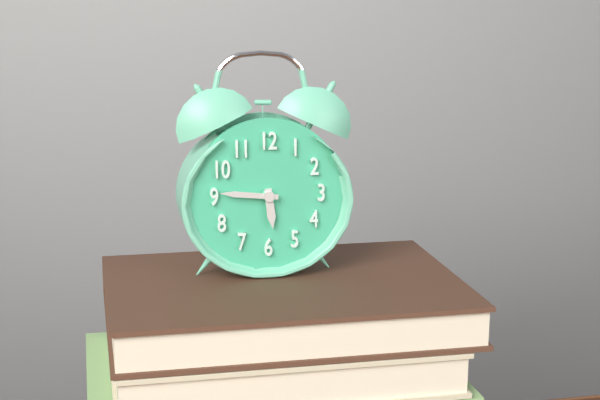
**5:46**
